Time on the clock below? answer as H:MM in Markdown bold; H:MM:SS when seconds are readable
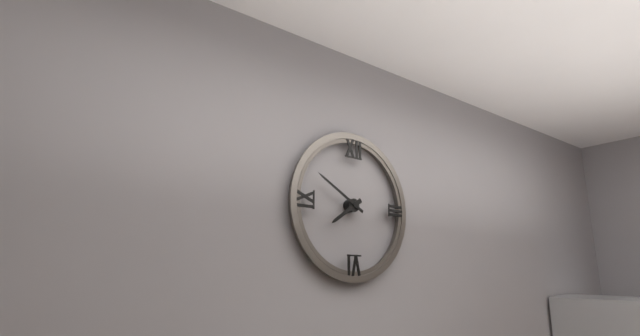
**7:50**
